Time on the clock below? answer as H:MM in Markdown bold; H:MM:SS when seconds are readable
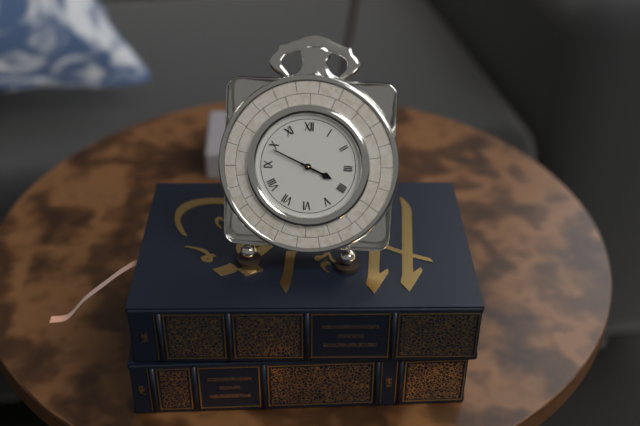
**3:49**
